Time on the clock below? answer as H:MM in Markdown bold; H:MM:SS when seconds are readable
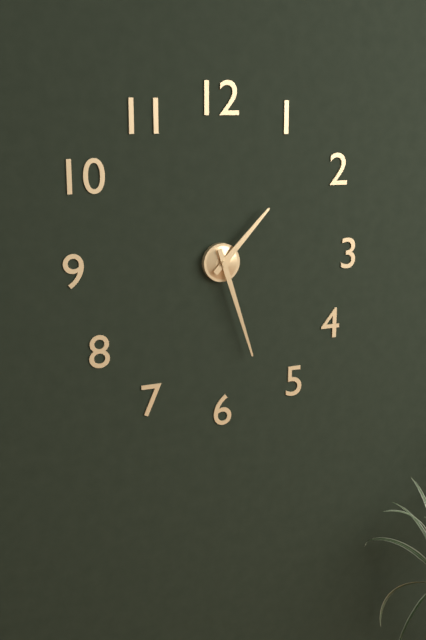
**1:27**
